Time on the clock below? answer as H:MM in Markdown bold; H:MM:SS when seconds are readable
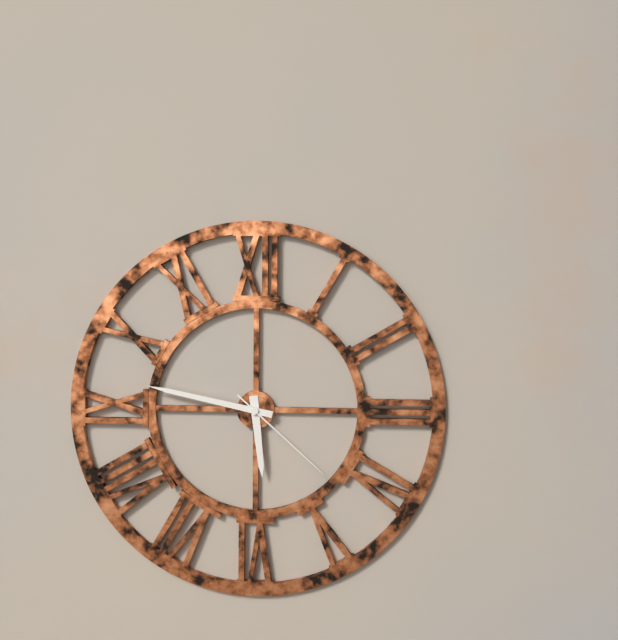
**5:47:22**
